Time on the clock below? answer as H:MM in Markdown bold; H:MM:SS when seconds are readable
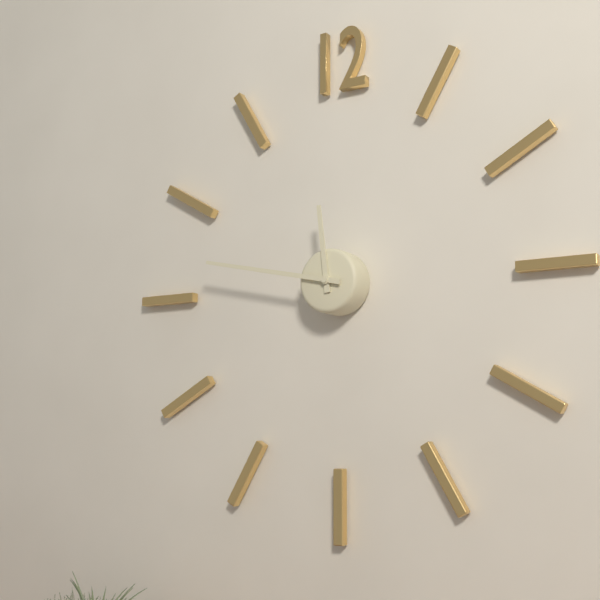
**11:47**
